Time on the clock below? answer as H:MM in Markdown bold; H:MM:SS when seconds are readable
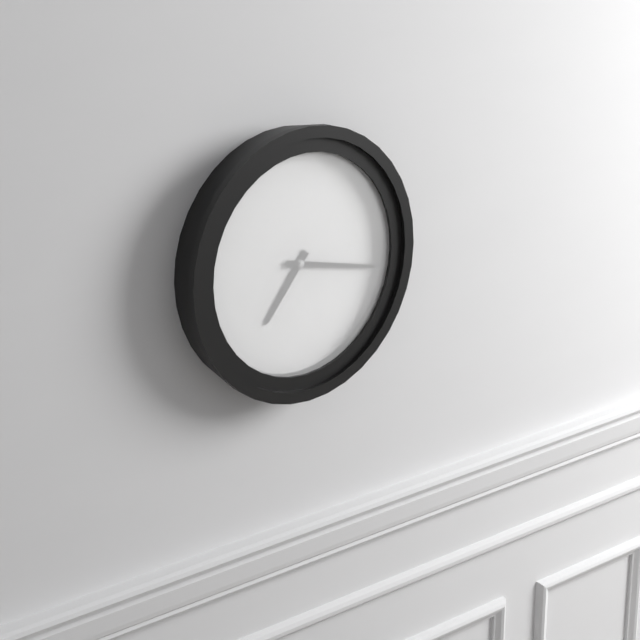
**7:17**
